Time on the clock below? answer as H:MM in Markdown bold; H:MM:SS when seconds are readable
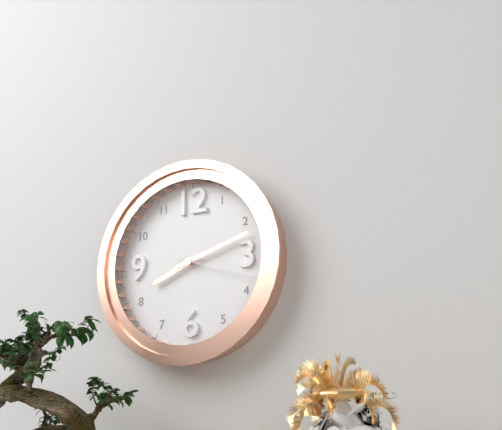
**8:12:18**
